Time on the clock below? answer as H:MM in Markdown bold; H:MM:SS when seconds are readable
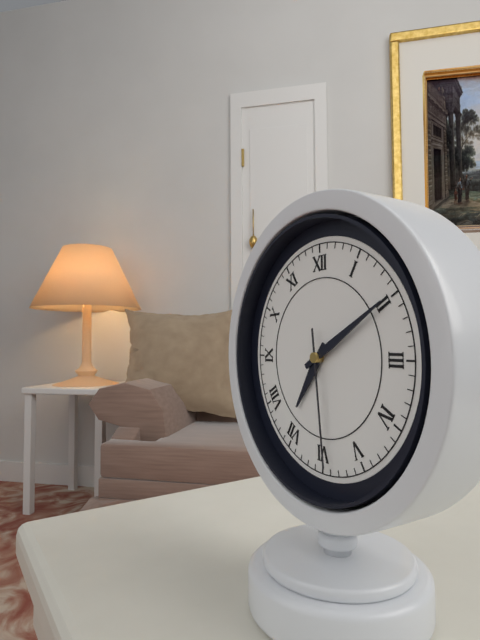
**7:10:29**
